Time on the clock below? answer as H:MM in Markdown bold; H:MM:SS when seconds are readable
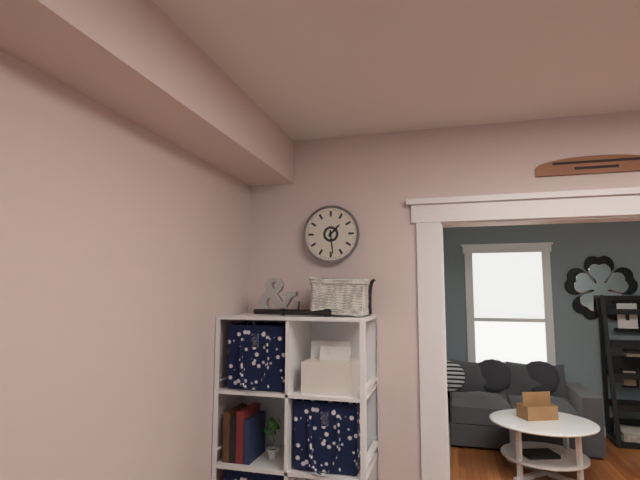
**1:29**
